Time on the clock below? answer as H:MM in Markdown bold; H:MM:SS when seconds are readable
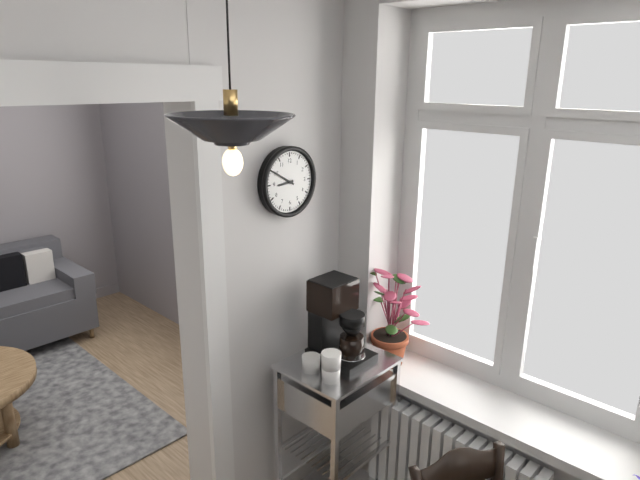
**8:50**
